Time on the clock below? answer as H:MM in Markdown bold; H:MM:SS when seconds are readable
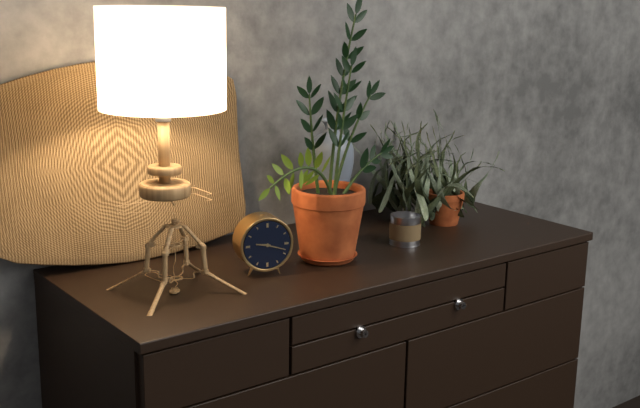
**9:18**
